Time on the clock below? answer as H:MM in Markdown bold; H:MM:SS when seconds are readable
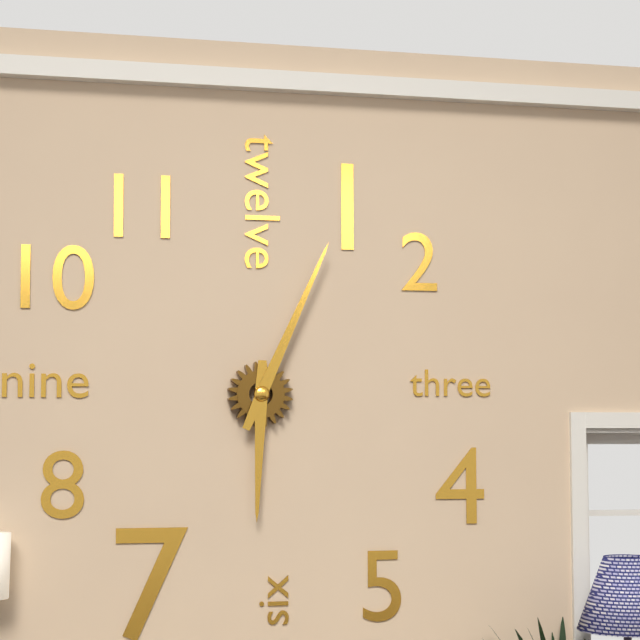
**6:04**
